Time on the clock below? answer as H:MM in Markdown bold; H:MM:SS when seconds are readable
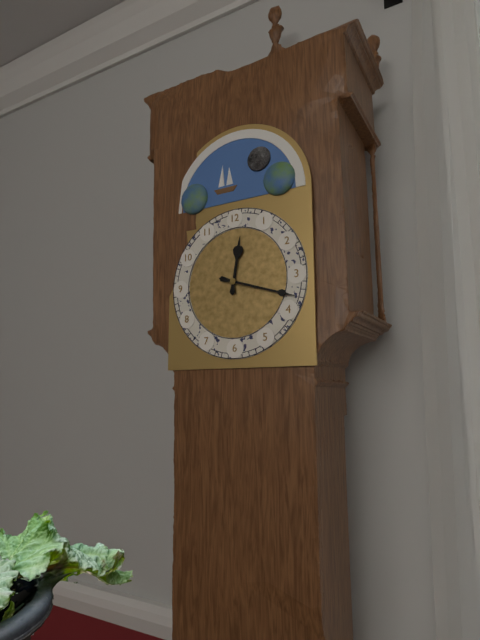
**12:18**
